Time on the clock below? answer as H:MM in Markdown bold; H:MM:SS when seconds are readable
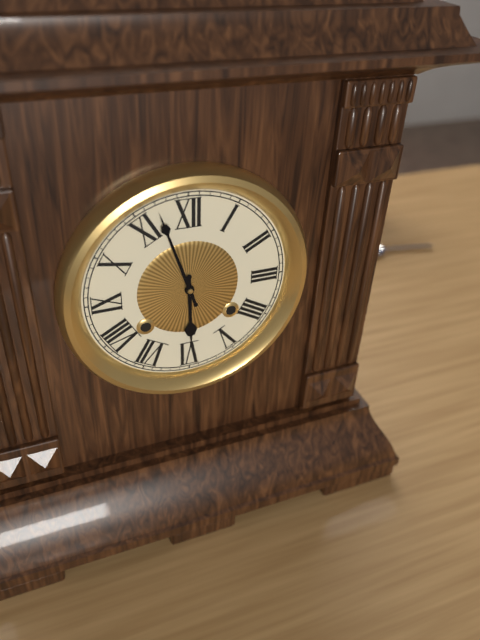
**5:57**
